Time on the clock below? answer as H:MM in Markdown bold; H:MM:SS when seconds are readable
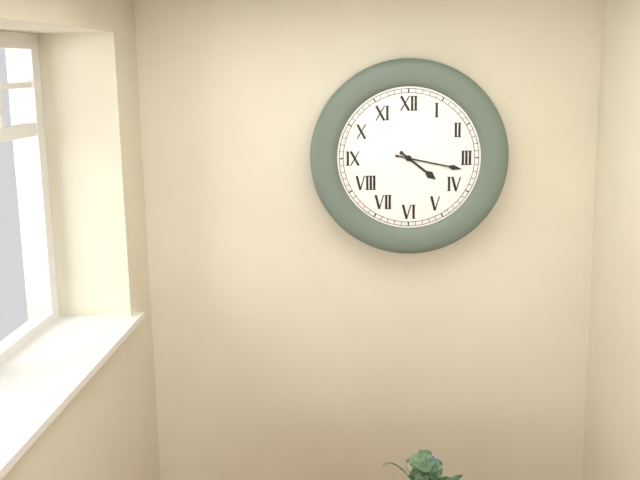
**4:17**
